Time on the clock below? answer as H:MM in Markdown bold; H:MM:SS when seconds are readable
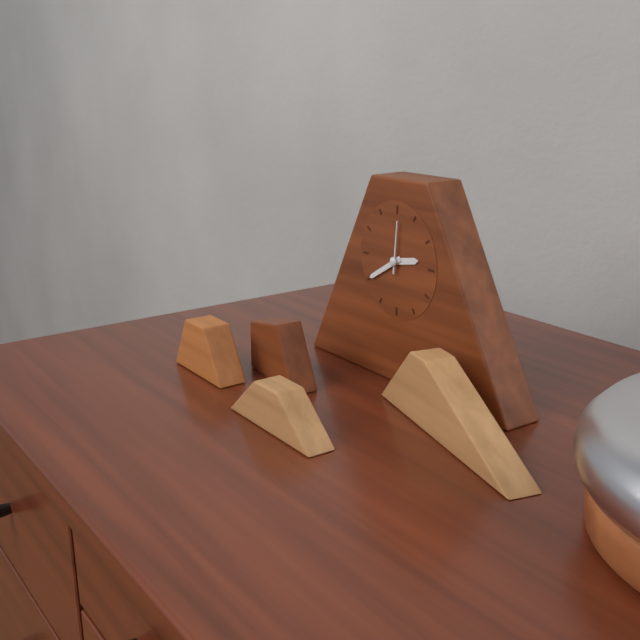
**2:40:01**
